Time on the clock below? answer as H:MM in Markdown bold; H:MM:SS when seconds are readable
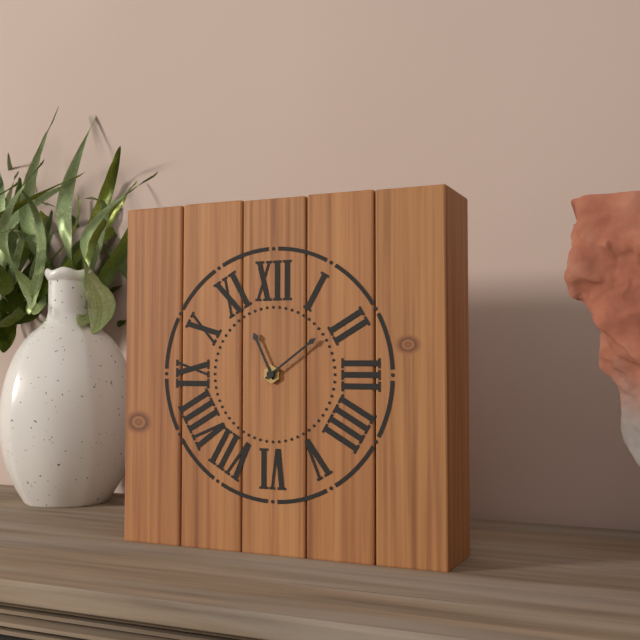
**11:09**
